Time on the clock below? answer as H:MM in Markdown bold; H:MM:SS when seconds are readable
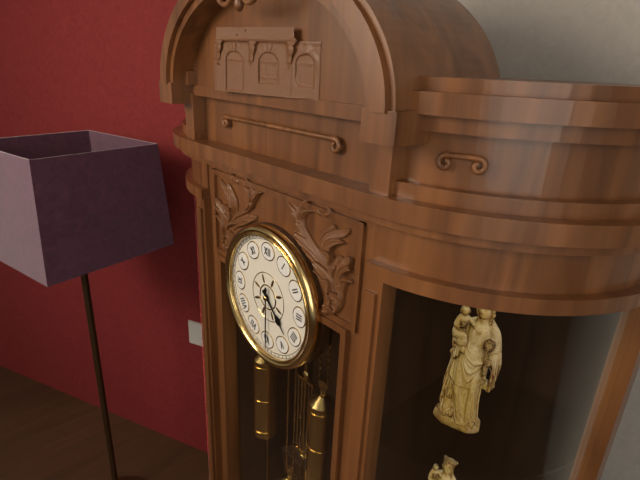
**4:30**
